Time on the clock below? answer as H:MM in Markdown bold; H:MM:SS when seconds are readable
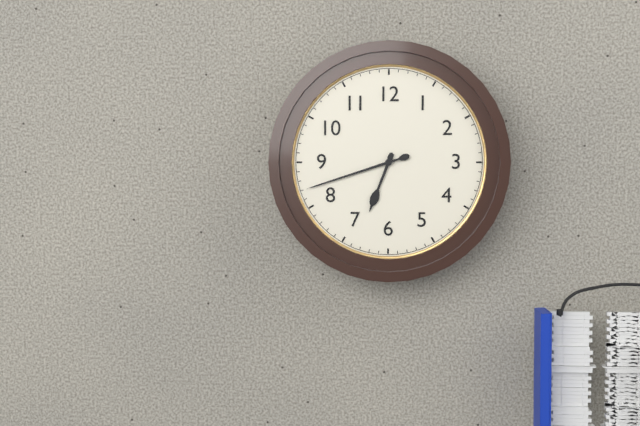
**6:42**
